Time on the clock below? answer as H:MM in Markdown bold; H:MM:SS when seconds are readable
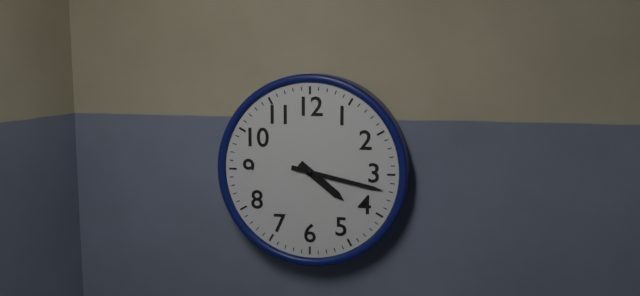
**4:17**
